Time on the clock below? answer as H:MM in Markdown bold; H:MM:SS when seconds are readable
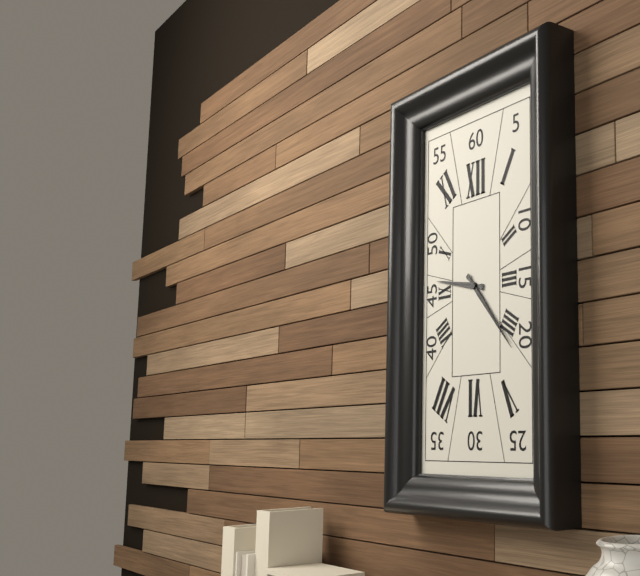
**9:23**
